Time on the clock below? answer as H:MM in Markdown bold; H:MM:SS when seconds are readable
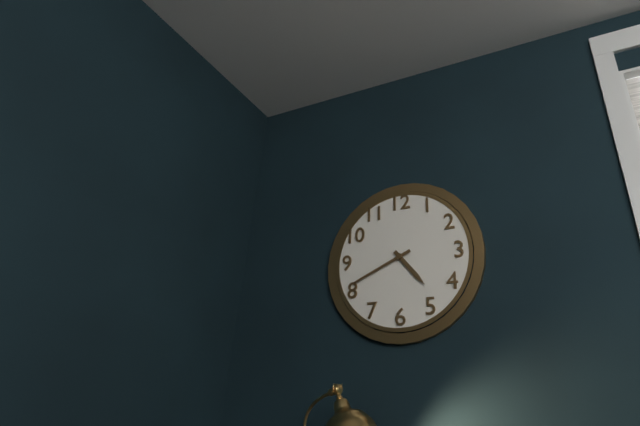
**4:41**
